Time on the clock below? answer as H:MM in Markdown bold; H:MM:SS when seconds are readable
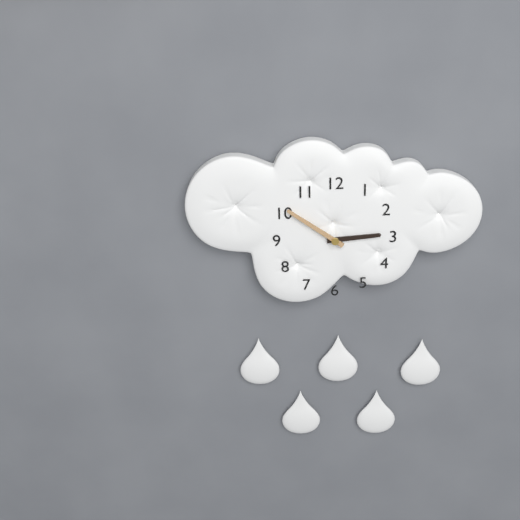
**2:51**
